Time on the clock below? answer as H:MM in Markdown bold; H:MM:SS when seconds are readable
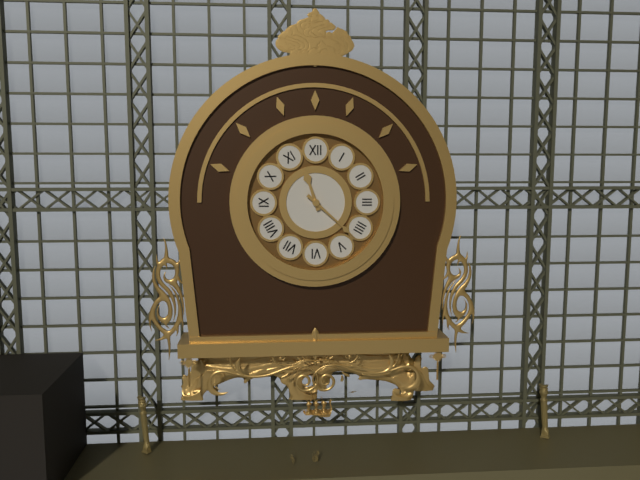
**11:22**
